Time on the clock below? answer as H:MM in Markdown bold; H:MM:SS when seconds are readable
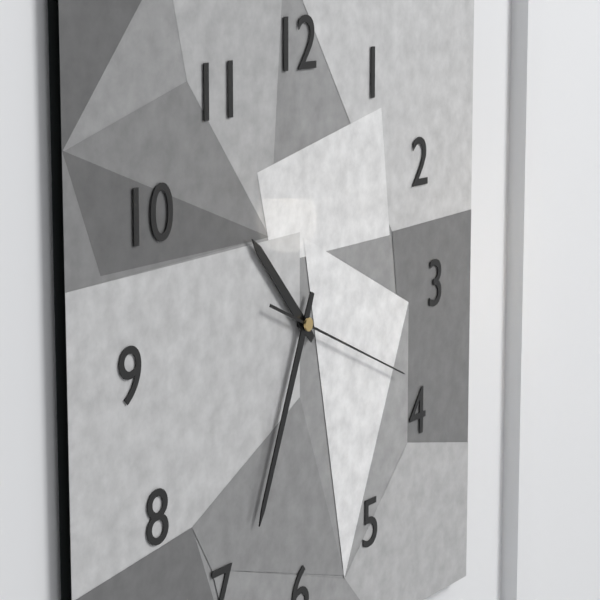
**10:34:19**
